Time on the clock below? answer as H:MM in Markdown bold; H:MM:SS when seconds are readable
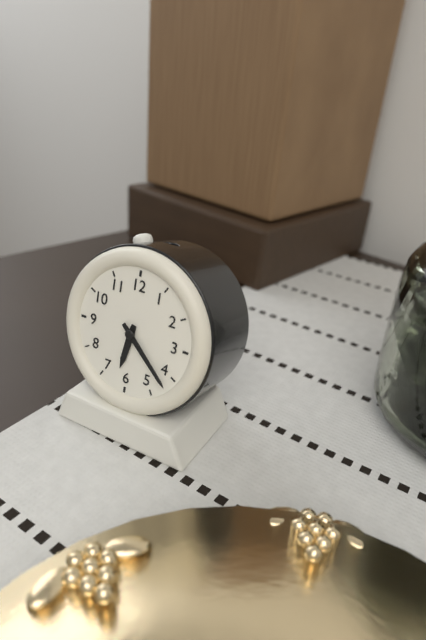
**6:22**
